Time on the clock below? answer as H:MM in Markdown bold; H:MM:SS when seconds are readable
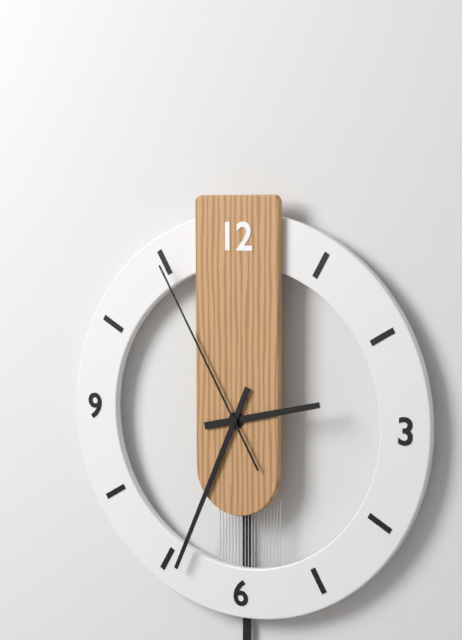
**2:34:55**
